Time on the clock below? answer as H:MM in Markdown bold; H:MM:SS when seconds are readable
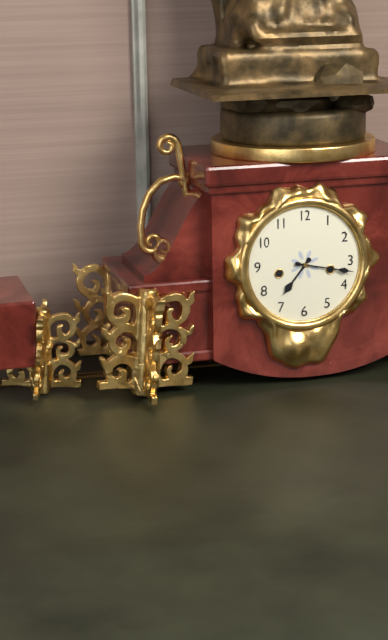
**7:17**
